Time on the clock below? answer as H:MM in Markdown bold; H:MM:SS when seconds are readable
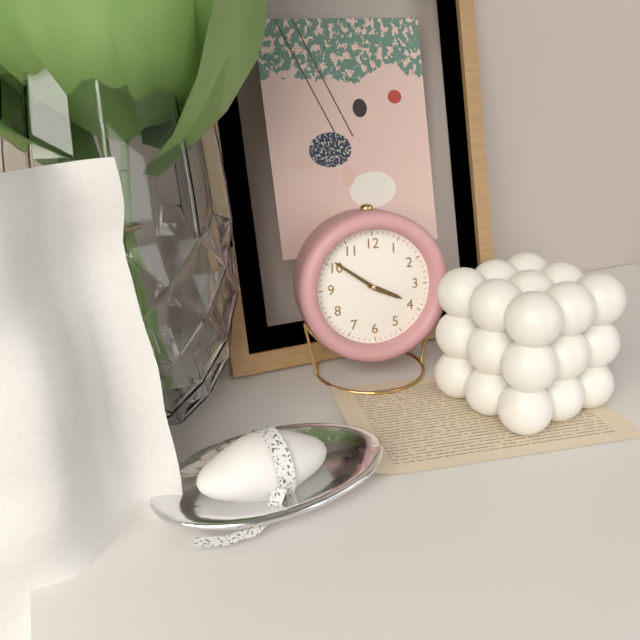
**3:51**
